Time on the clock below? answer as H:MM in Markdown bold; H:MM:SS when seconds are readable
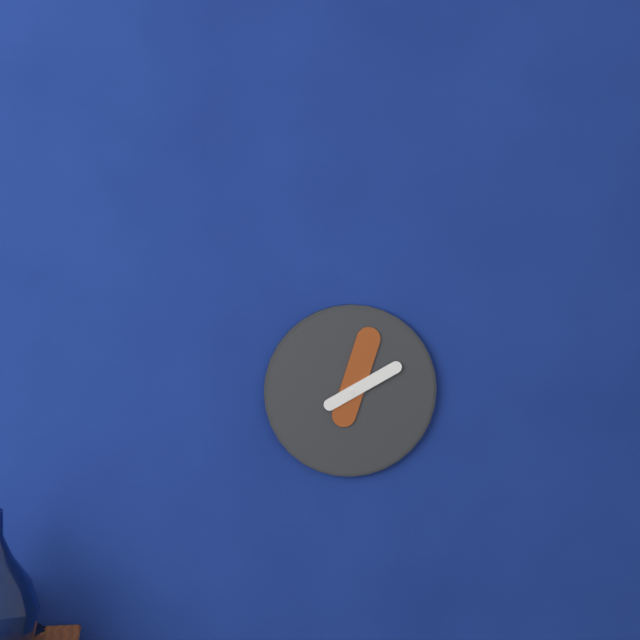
**2:03**
